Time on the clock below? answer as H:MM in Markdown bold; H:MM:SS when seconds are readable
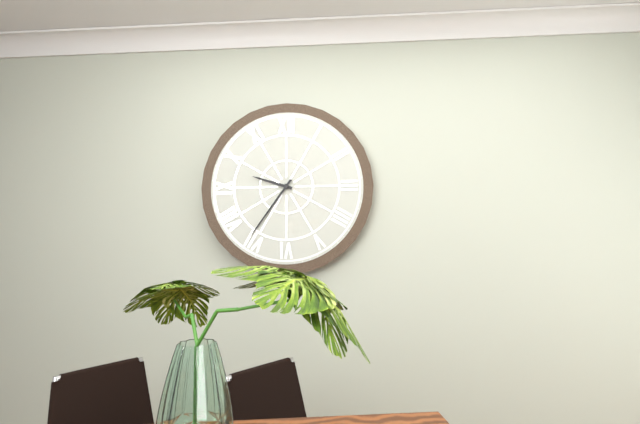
**9:36**
